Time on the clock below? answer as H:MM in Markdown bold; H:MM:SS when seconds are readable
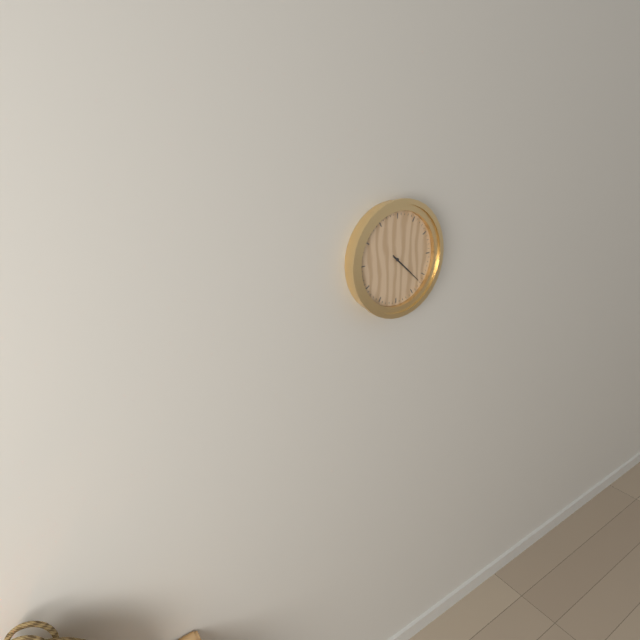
**4:22**
